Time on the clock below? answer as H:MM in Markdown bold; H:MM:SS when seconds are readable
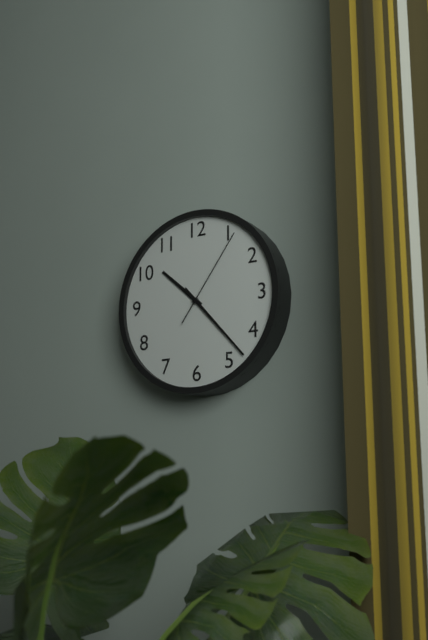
**10:23:06**
